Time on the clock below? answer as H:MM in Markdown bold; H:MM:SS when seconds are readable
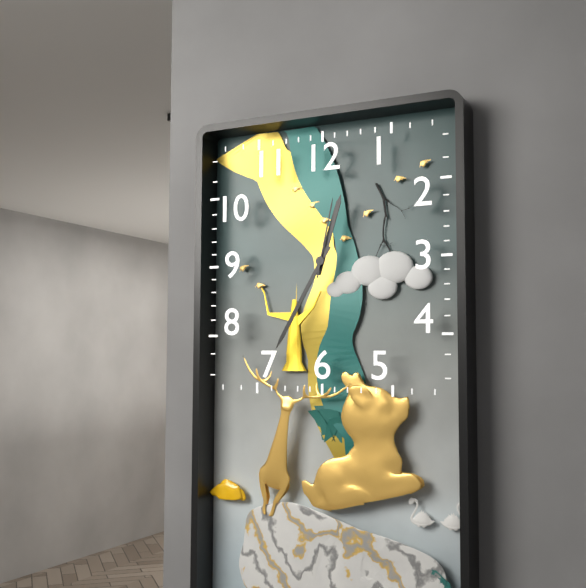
**12:35:02**
